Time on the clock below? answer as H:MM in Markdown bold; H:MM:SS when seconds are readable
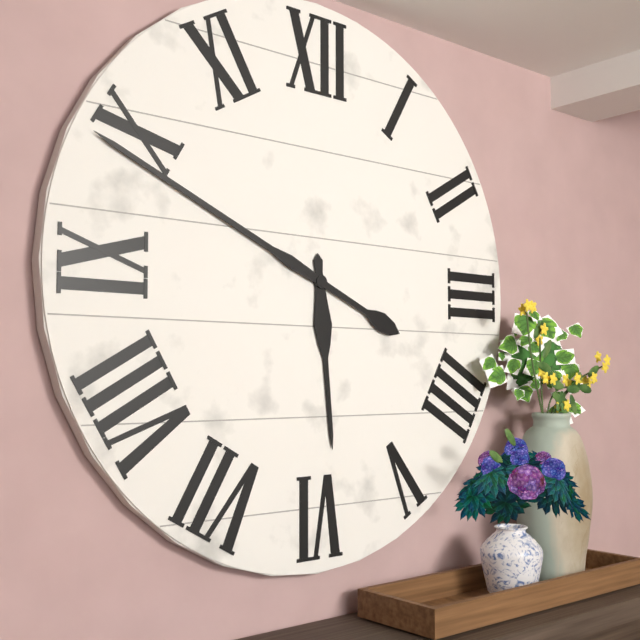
**5:49**
